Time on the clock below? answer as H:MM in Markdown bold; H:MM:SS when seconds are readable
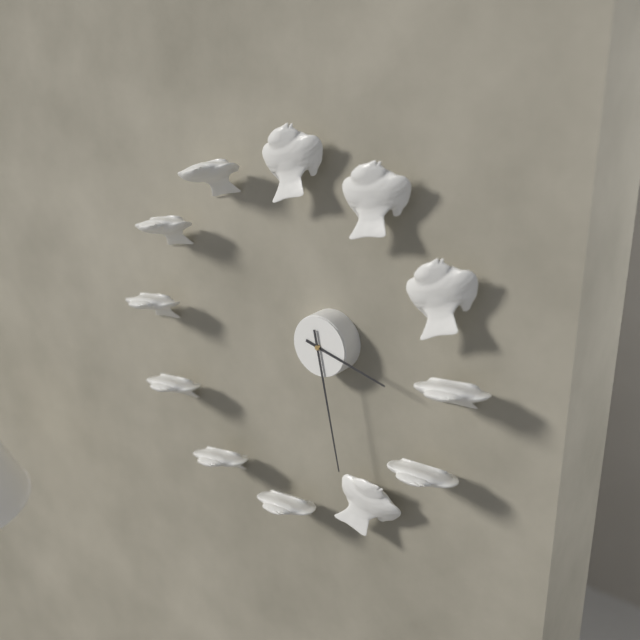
**3:28**
